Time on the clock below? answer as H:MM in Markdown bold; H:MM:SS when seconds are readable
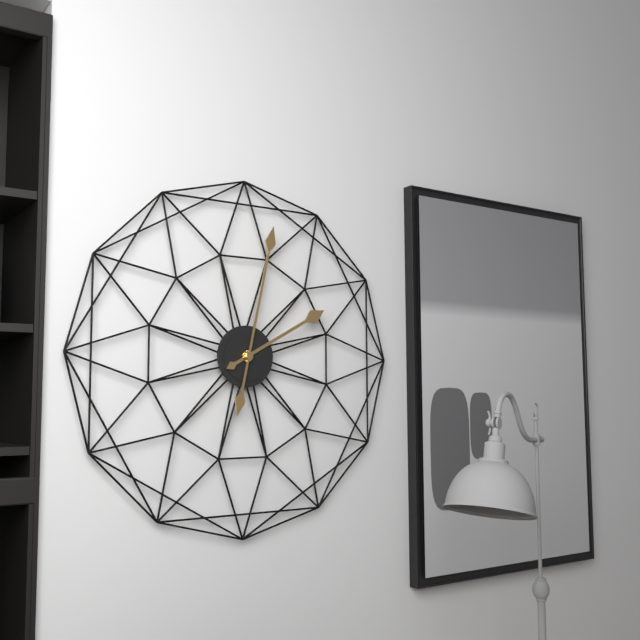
**2:02**
